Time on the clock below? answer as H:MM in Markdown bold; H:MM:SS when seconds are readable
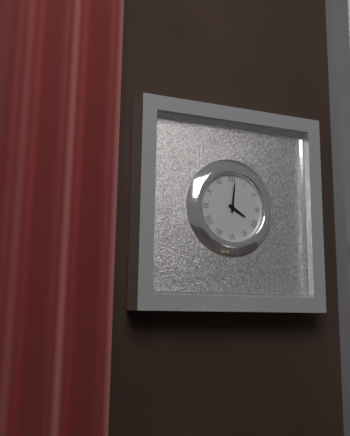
**4:01**
